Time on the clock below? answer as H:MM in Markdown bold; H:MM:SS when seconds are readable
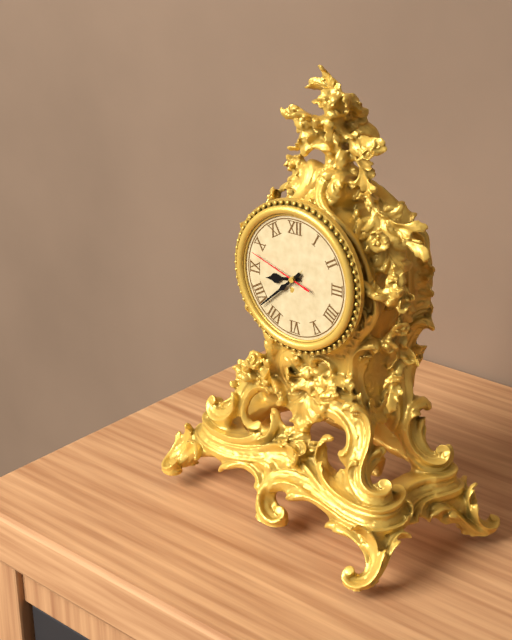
**8:38:48**
